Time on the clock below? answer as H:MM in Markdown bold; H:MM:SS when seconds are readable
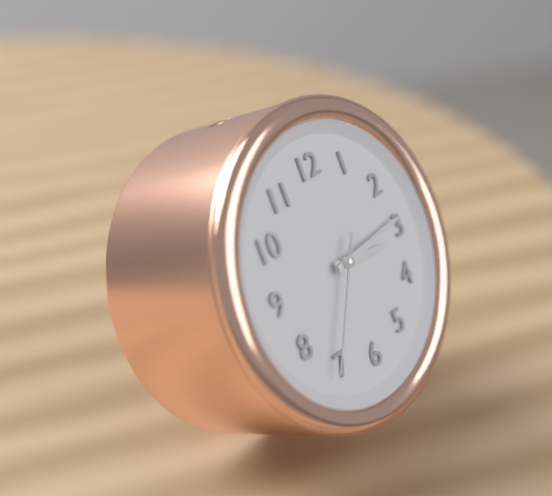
**3:14:36**
